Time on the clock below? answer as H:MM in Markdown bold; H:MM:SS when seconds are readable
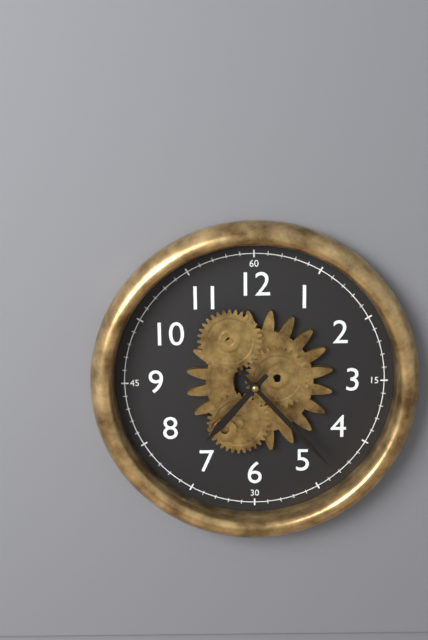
**7:23**
